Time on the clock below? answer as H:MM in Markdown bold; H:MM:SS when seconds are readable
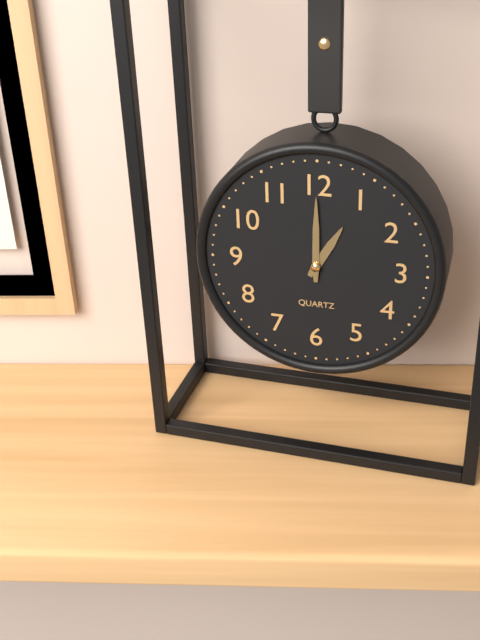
**1:00**
